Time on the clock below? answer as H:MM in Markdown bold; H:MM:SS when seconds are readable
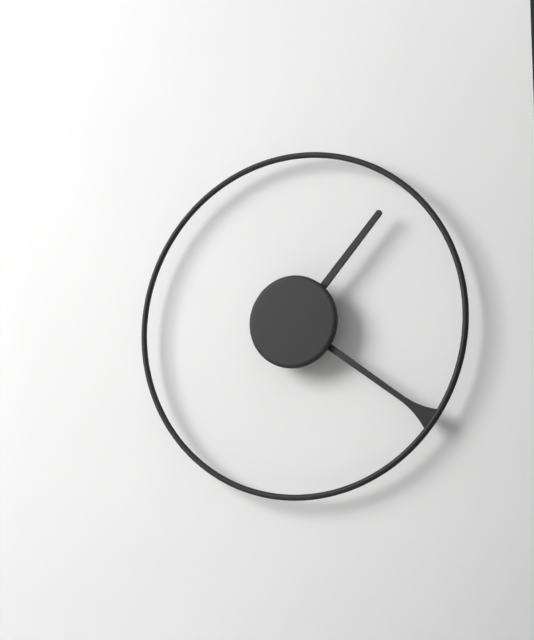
**1:21**
